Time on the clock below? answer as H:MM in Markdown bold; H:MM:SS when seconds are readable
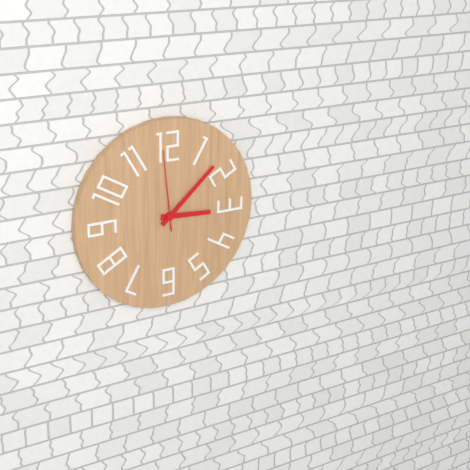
**3:08:59**
